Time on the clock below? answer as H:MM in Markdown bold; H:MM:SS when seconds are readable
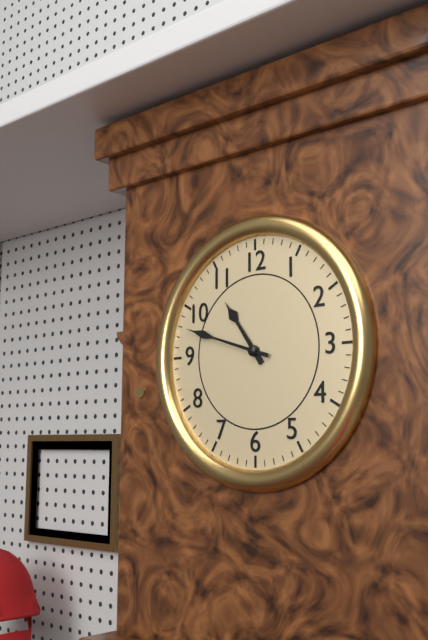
**10:48**
